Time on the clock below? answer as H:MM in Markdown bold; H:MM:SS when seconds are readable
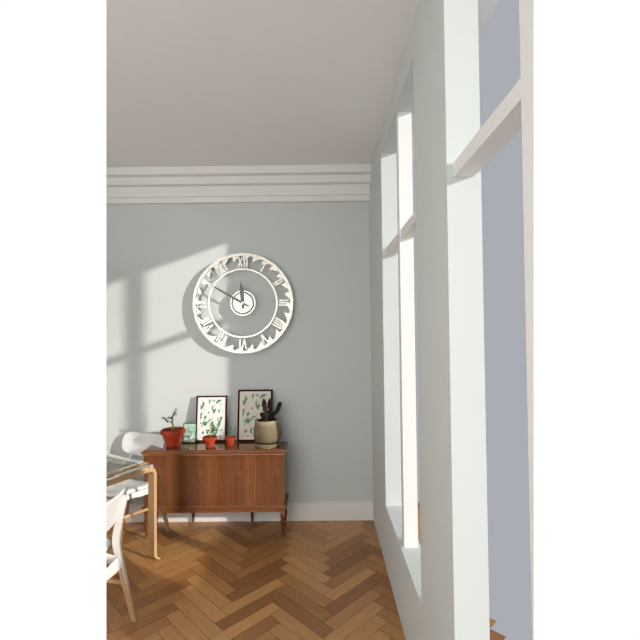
**11:50**
